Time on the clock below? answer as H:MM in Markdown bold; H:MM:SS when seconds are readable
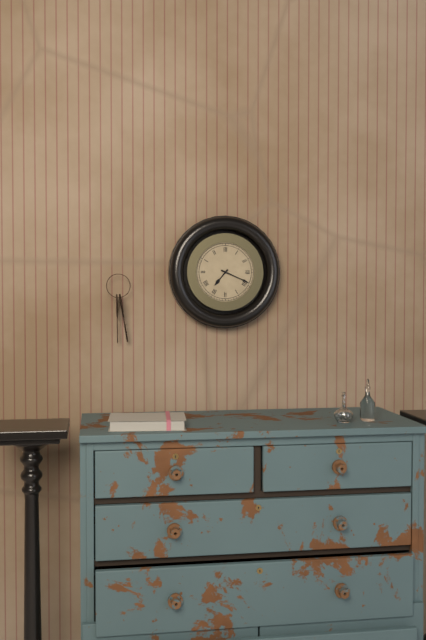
**7:19**
